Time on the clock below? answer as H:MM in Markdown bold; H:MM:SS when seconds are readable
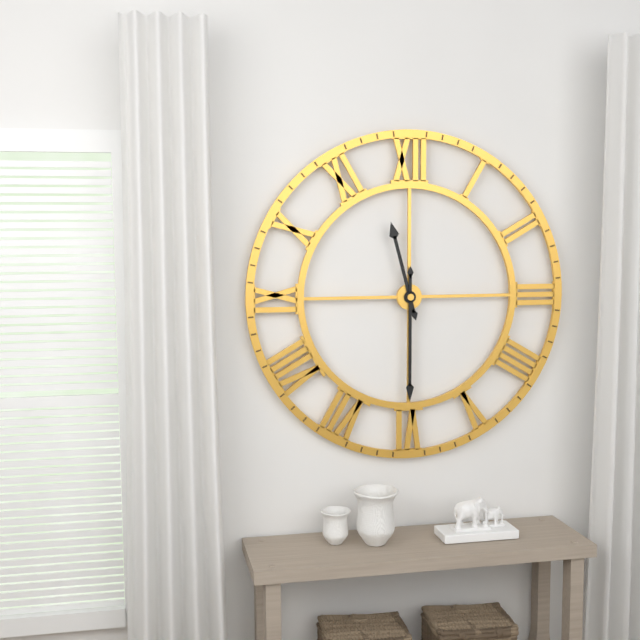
**11:30**
